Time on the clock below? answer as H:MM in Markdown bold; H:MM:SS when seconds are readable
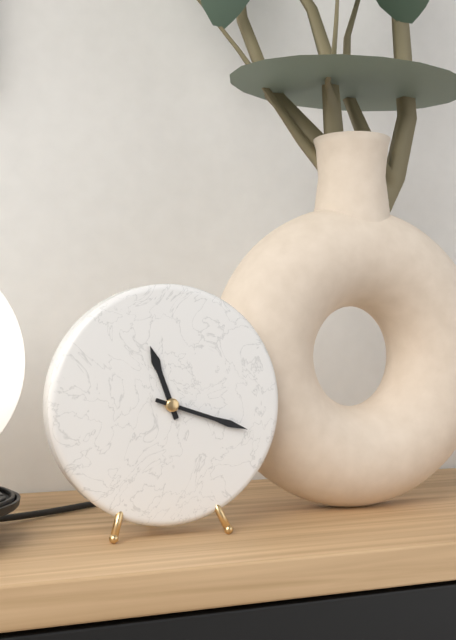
**11:18**
